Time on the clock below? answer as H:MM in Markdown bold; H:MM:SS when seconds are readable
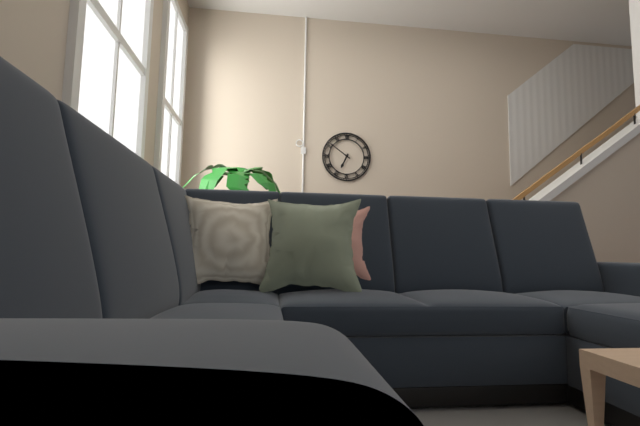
**6:51**
